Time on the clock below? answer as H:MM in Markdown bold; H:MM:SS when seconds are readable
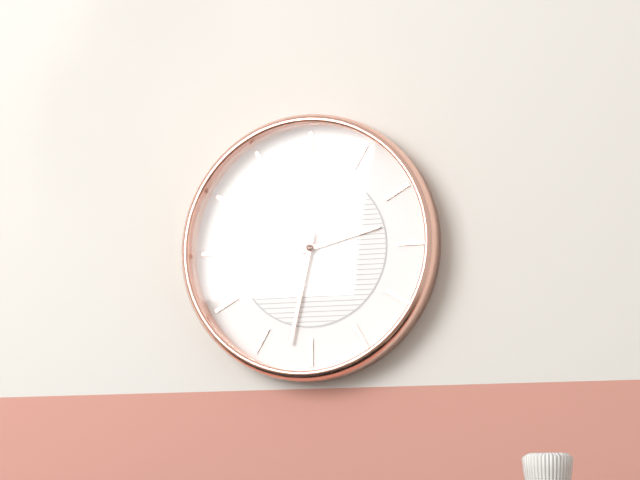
**2:32**
